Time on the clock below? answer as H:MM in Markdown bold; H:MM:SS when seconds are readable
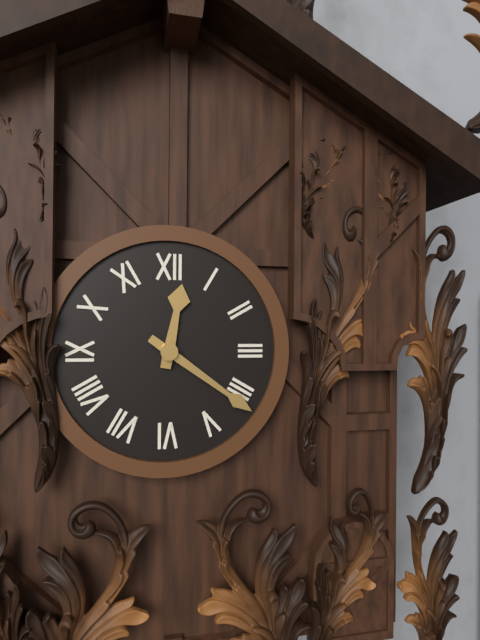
**12:21**
